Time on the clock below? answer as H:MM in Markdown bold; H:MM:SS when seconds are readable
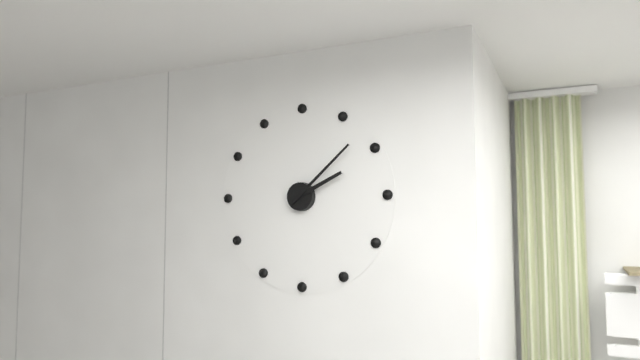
**2:08**
